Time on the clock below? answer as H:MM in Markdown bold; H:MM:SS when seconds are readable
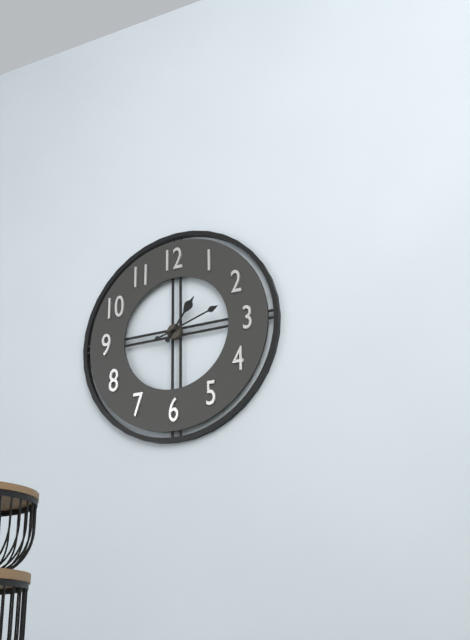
**1:12**
